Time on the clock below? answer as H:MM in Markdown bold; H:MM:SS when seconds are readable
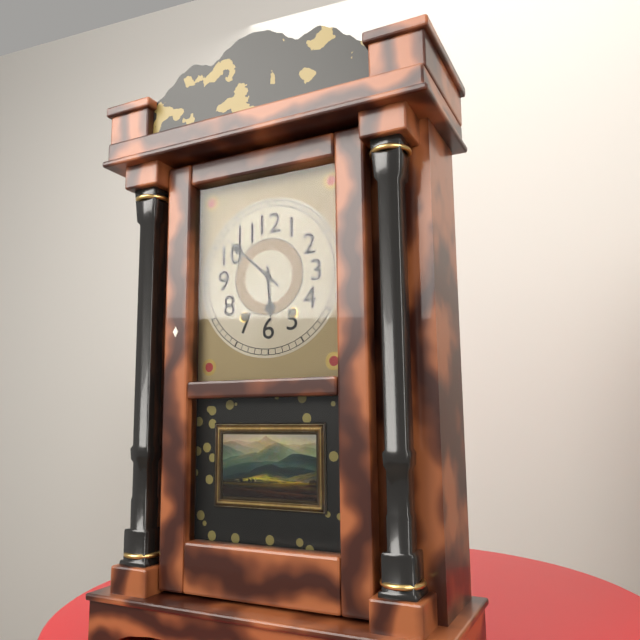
**5:52**
